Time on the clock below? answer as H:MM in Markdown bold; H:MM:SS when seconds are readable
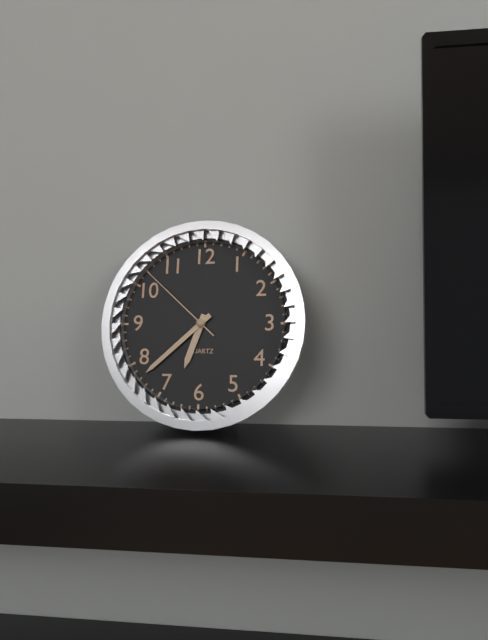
**6:38:52**
